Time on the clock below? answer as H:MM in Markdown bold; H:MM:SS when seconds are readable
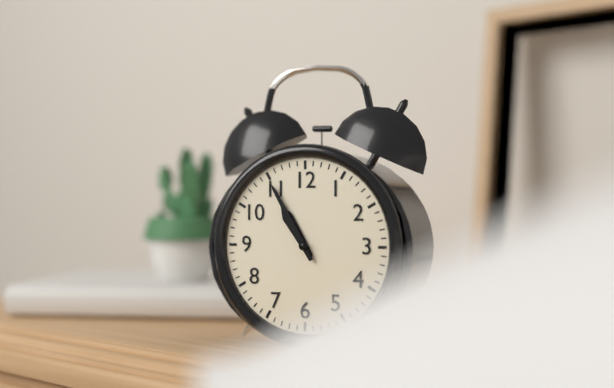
**10:55**
